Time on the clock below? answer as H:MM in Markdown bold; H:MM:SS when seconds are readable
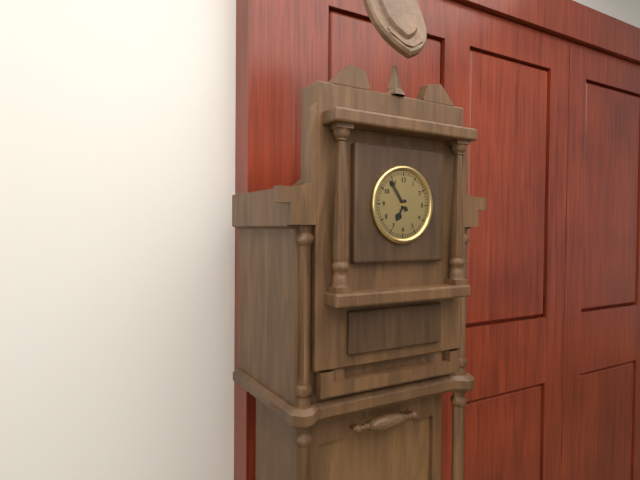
**6:54**
